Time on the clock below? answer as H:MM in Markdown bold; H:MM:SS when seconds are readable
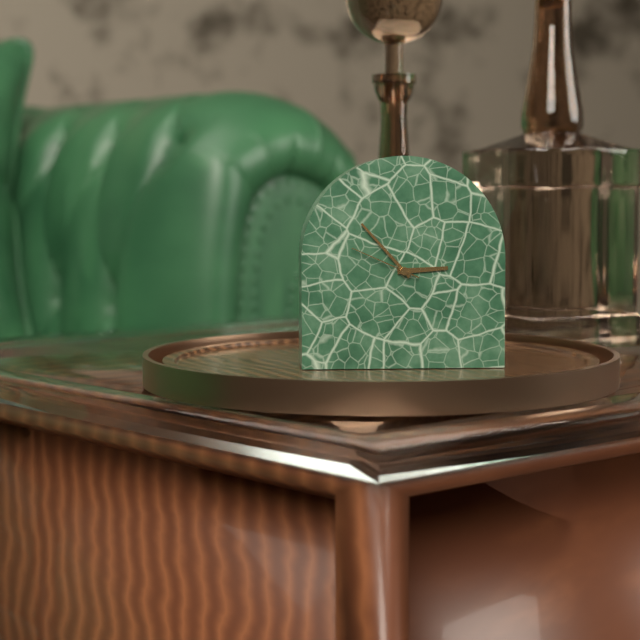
**2:53:49**
